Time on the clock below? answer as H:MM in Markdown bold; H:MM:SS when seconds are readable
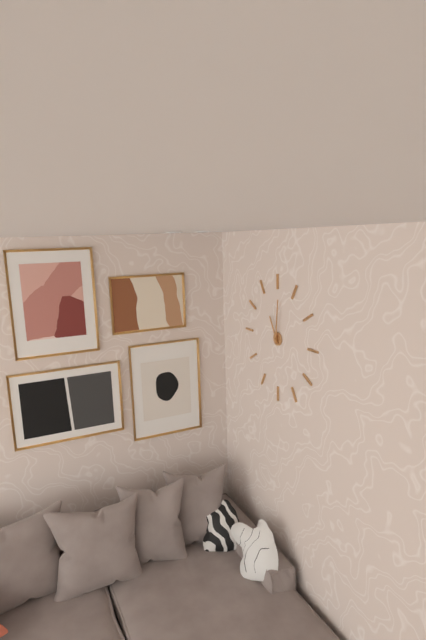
**11:01**
